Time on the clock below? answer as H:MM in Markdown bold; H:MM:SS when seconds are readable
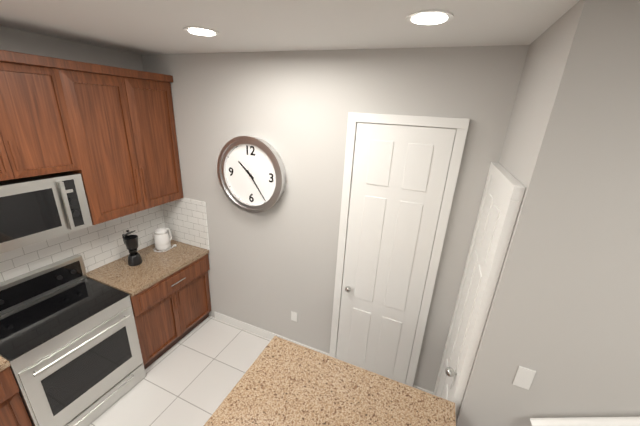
**10:24**
